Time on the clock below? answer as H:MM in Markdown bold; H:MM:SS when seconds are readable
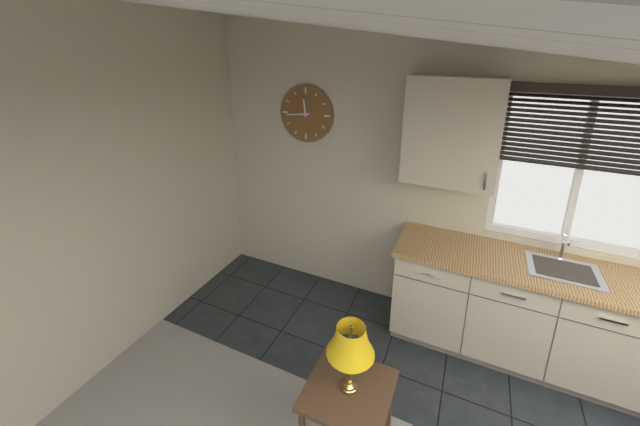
**11:44**
